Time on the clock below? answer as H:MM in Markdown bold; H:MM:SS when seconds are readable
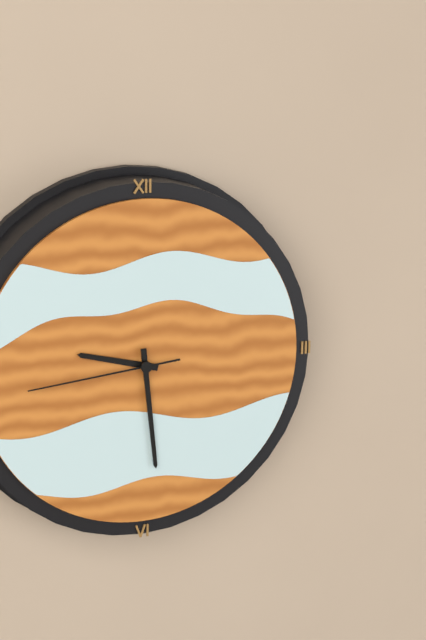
**9:29:44**
